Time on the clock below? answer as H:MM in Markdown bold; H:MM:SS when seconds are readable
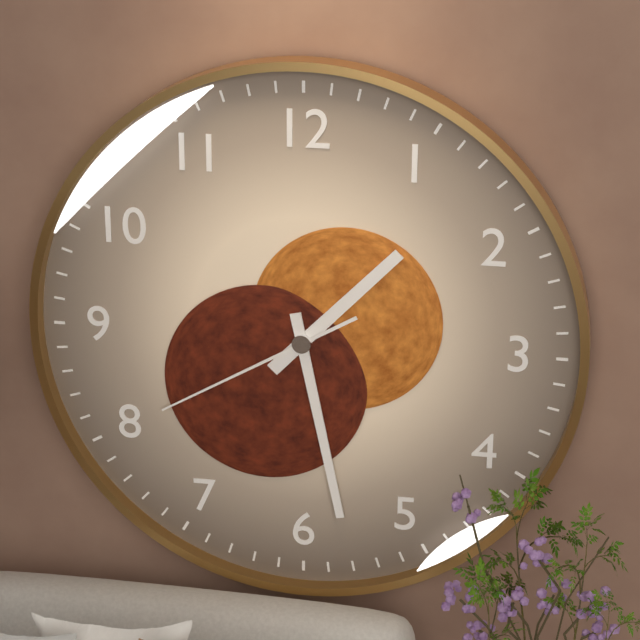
**1:28:40**
